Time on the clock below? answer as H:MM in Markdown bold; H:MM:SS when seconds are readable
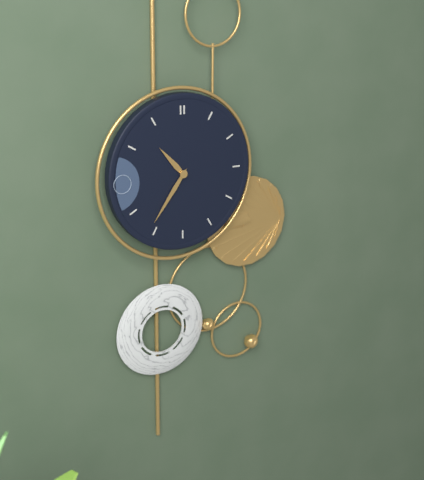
**10:36**
